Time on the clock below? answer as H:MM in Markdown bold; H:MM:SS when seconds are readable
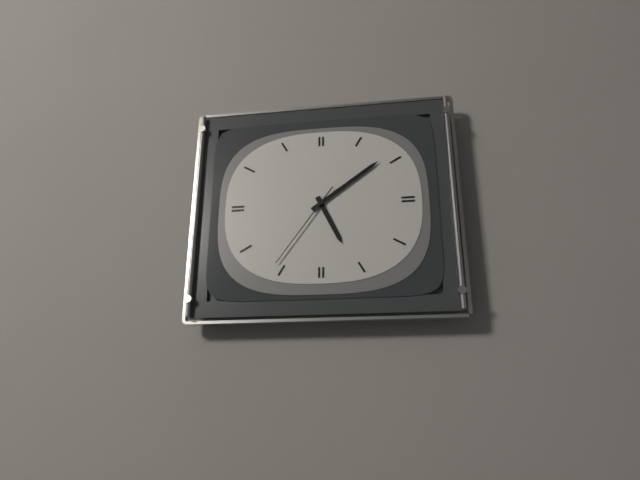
**5:09:36**
